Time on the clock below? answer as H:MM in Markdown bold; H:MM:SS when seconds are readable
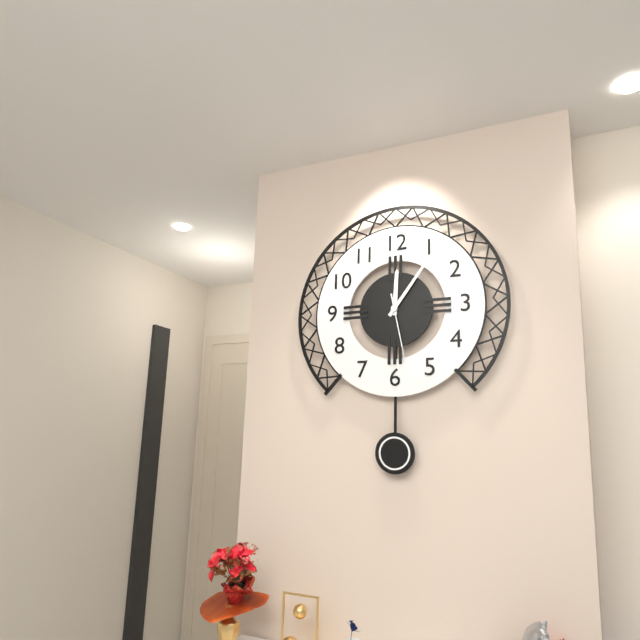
**12:06:28**
